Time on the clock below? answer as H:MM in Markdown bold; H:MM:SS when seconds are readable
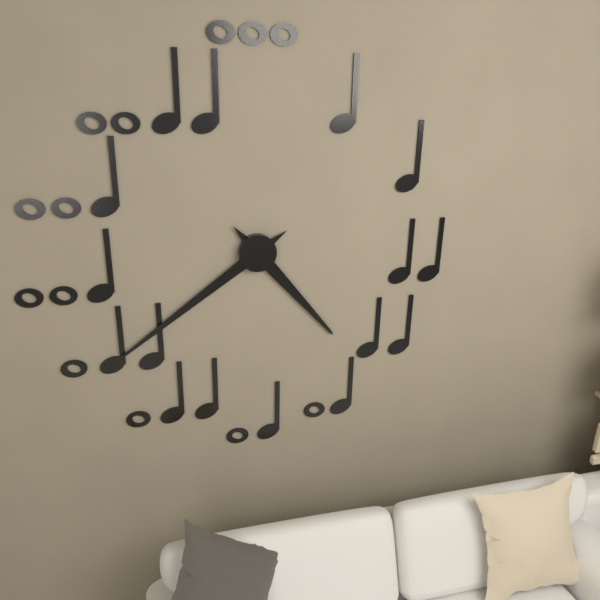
**4:39**
